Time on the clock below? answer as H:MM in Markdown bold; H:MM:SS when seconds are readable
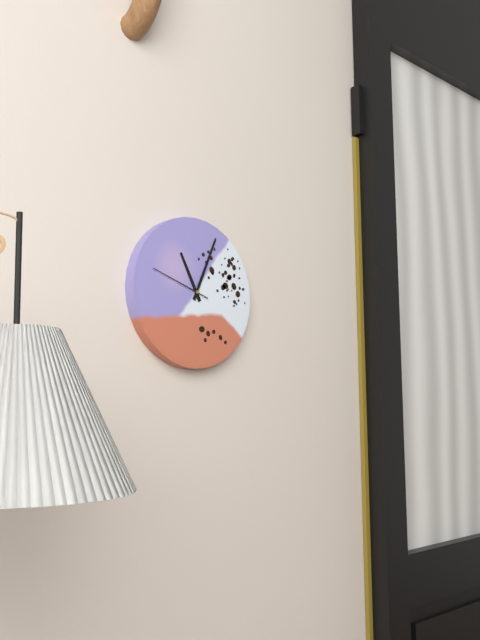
**11:04:48**
